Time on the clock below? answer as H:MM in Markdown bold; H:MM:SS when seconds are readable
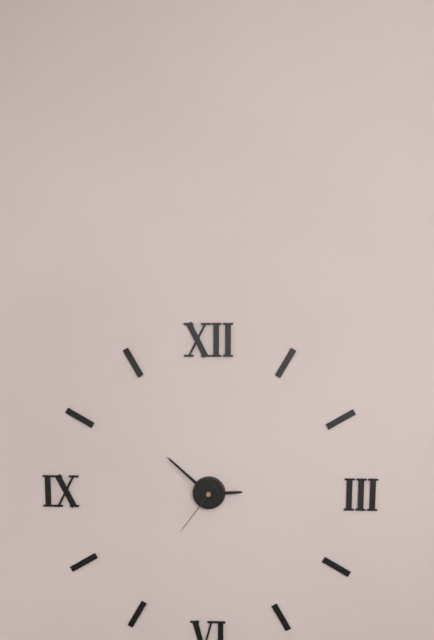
**2:52:36**
